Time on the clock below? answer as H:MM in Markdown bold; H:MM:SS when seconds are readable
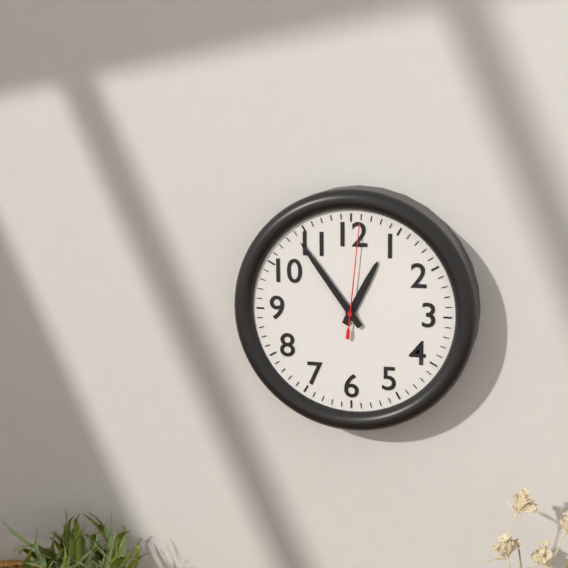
**12:54:01**
